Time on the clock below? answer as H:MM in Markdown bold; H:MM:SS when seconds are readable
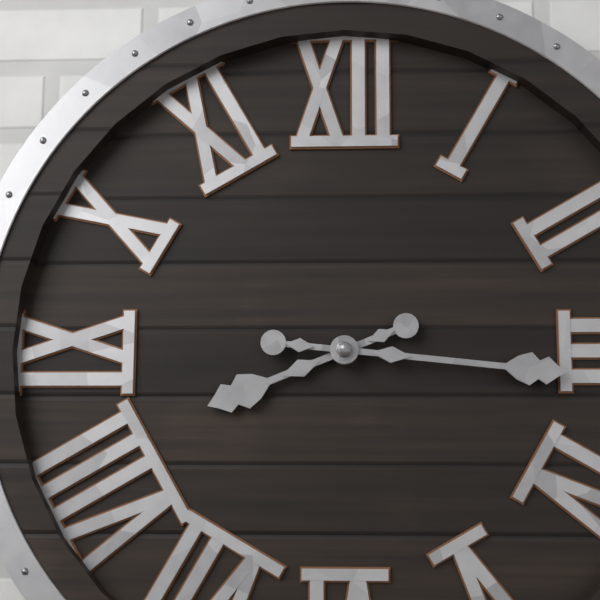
**8:16**
